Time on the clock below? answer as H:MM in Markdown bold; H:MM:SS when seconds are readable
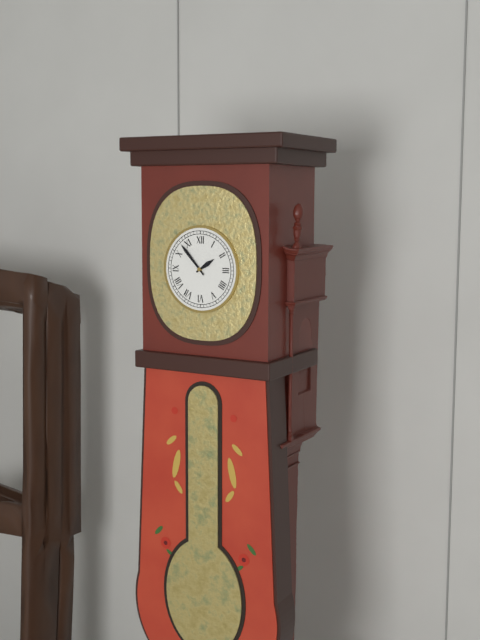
**1:53**
